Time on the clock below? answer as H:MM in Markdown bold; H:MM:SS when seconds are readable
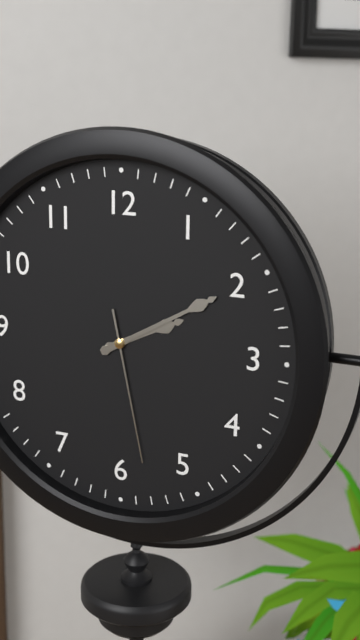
**2:10:28**
